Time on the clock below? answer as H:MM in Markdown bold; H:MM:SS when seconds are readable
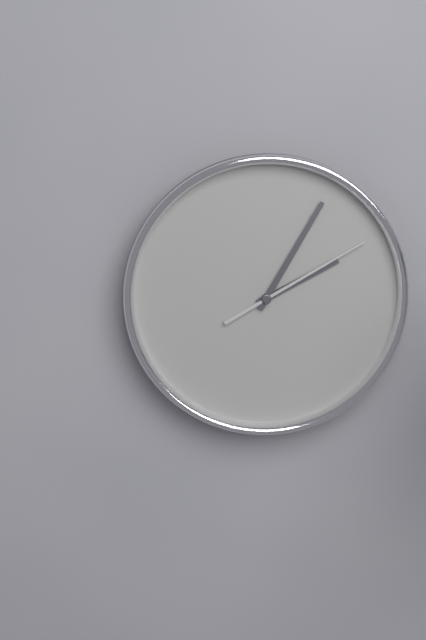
**2:05:10**
